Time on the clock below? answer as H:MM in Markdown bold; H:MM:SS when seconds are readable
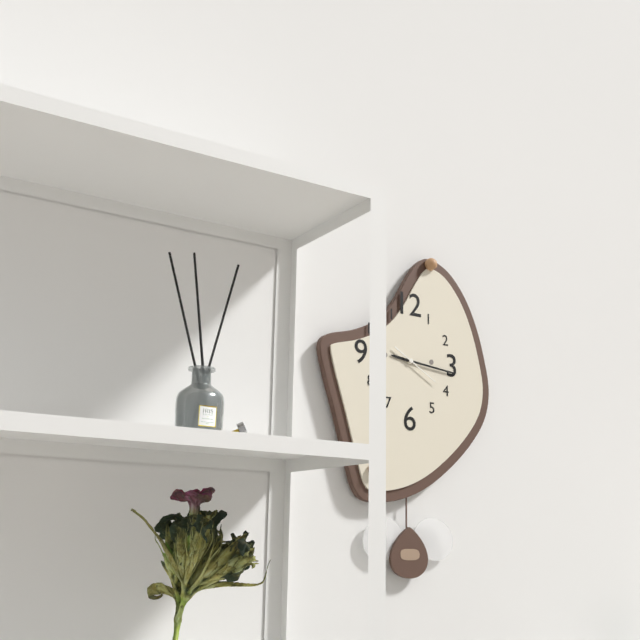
**9:16**
